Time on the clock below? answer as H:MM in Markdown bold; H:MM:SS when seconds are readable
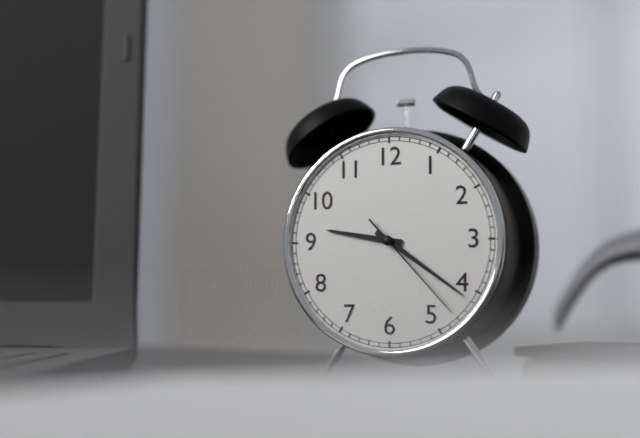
**9:21:23**
